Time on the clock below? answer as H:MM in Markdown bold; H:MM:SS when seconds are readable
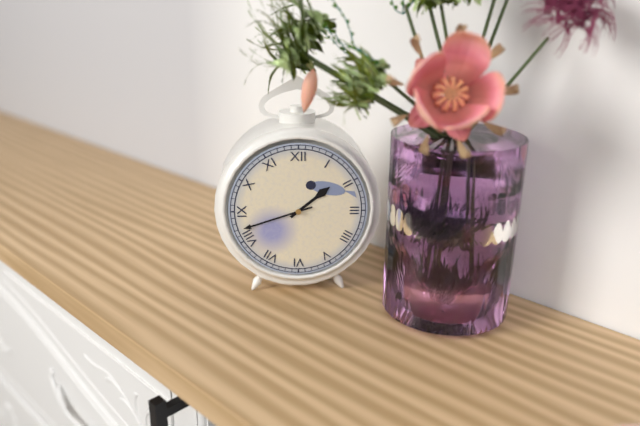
**1:42**
